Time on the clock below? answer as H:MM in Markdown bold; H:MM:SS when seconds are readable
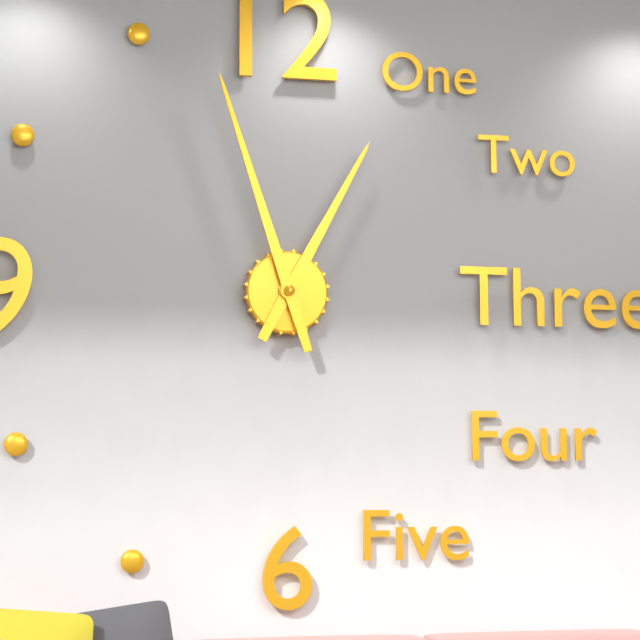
**12:57**
